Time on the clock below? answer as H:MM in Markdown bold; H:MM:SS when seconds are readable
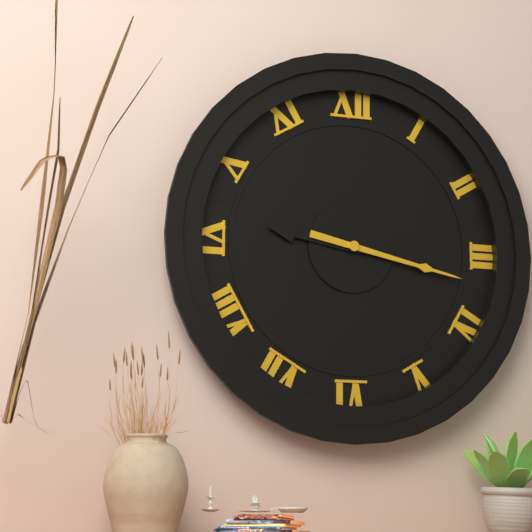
**9:17**
